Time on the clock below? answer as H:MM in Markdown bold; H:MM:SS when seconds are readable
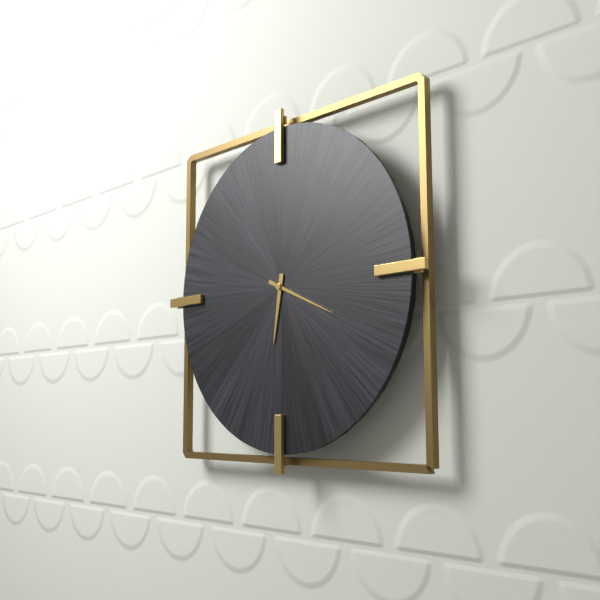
**6:19**
